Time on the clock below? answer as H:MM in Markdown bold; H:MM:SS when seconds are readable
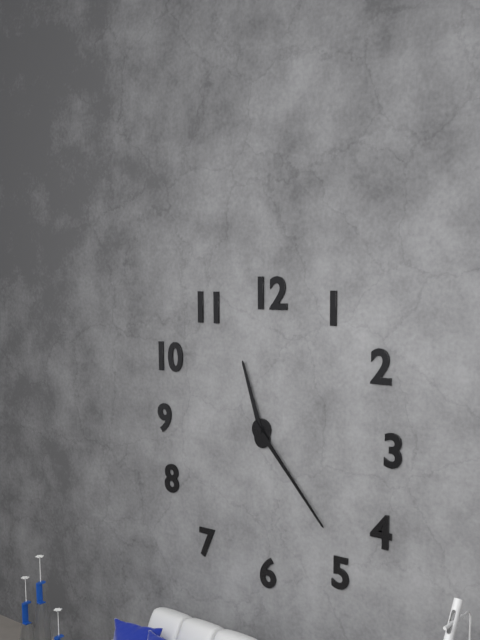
**11:23**
